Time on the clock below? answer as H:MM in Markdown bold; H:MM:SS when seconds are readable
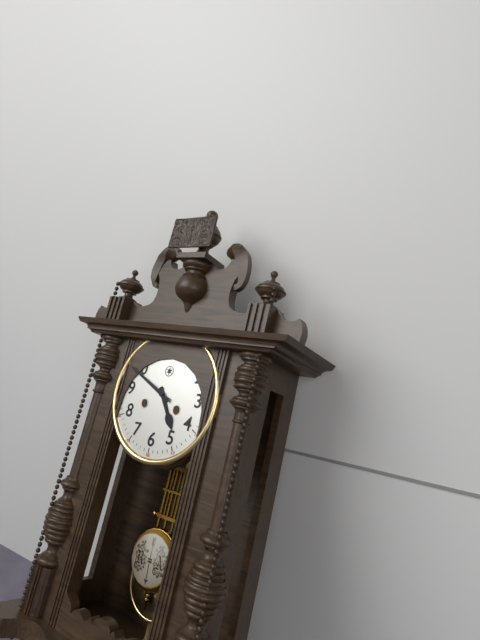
**4:49**
